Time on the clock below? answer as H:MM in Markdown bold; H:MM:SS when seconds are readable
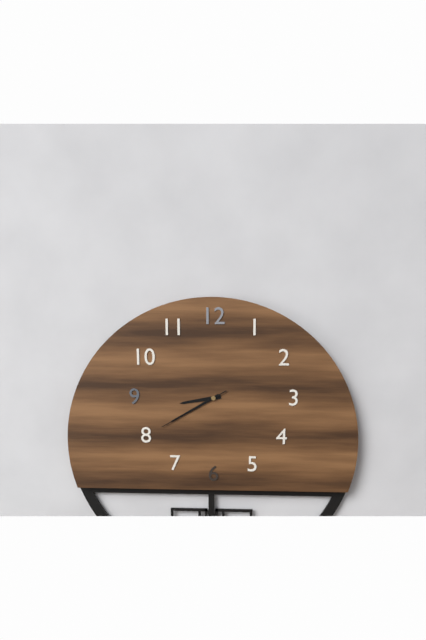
**8:40:40**
